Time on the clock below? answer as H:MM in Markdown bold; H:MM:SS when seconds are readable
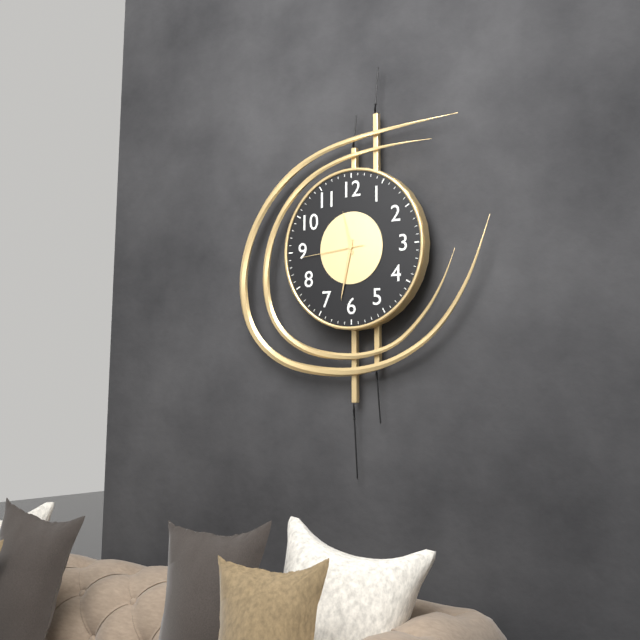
**11:32:44**
